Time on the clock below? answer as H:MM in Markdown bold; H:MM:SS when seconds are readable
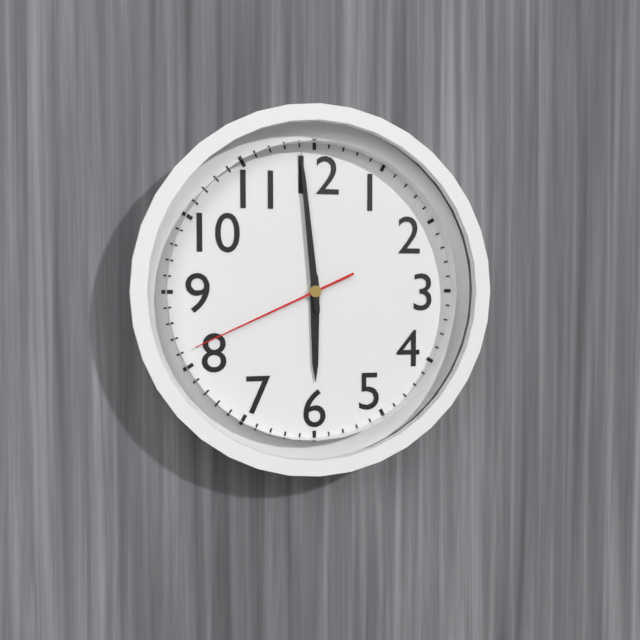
**5:59:41**
